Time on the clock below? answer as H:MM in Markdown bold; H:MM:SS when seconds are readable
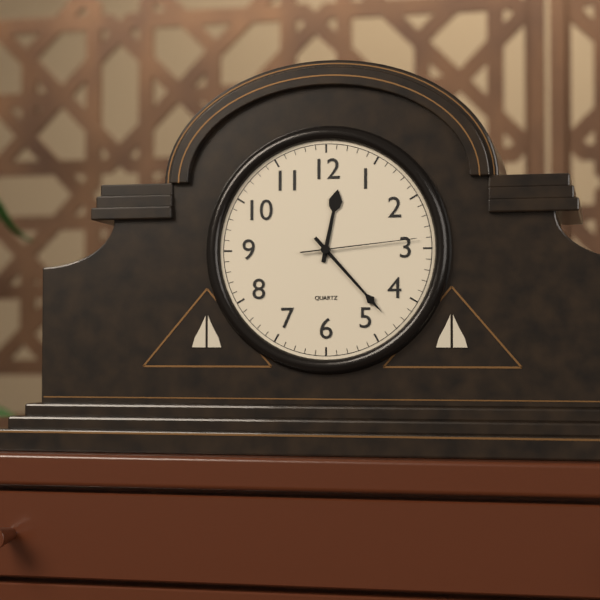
**12:23:14**
